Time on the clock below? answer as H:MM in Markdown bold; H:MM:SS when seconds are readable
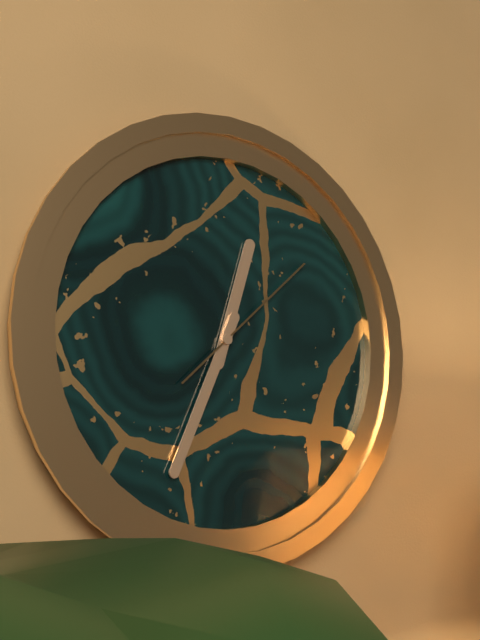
**12:34:08**
